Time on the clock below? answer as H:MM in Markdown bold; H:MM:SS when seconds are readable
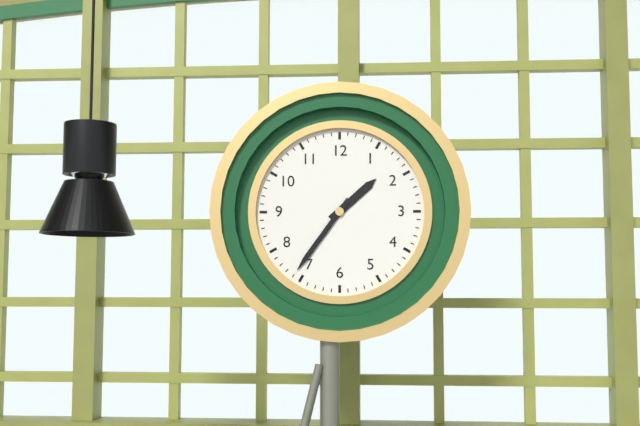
**1:36**
